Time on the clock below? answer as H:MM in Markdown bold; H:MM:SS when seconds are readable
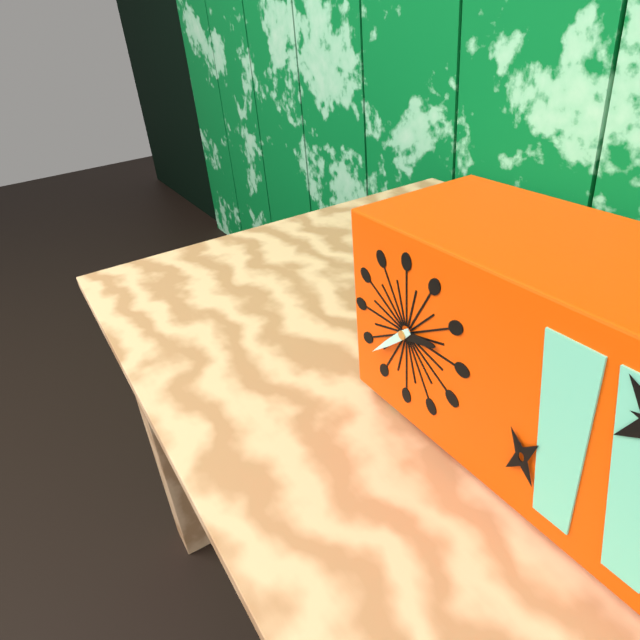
**2:38**
